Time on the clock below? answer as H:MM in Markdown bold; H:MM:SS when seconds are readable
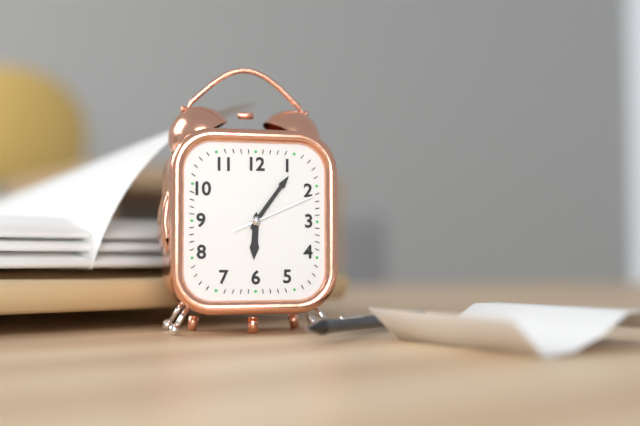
**6:06:11**
